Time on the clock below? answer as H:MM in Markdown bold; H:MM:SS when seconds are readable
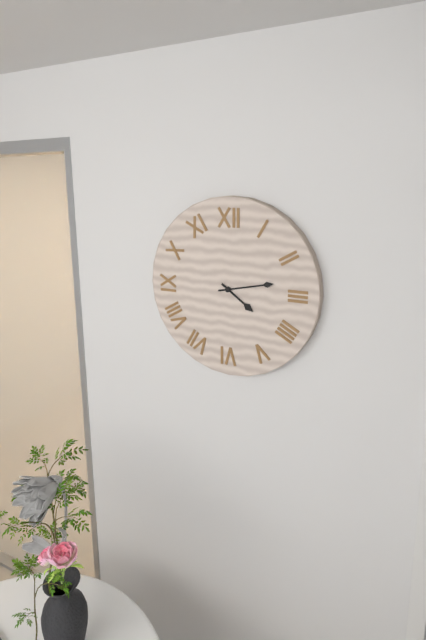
**4:13**
